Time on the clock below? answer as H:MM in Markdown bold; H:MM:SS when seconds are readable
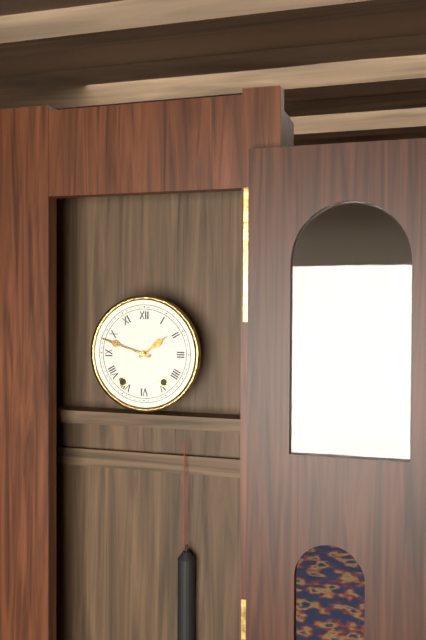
**1:48**
